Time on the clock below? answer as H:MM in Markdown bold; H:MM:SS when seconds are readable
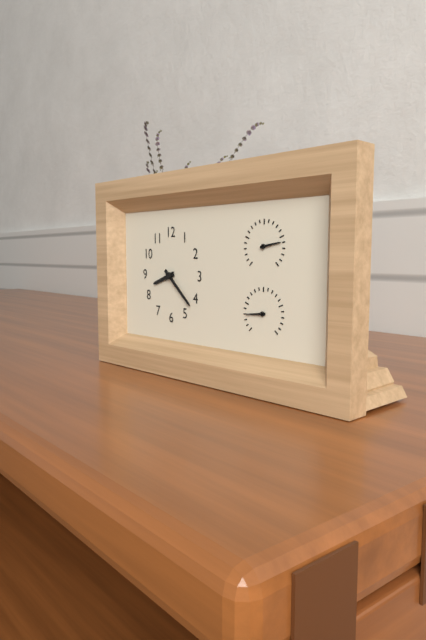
**8:22**
